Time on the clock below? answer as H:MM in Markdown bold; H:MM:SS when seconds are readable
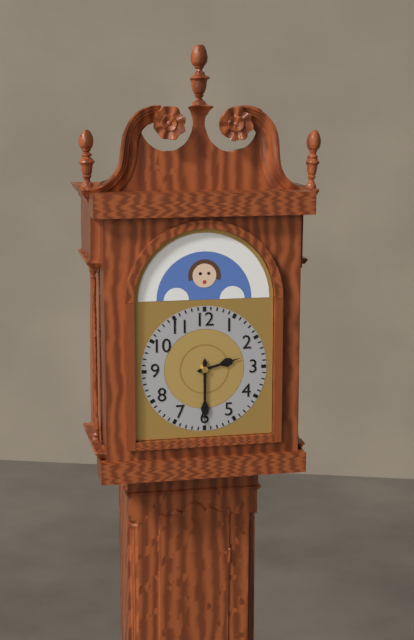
**2:30**
